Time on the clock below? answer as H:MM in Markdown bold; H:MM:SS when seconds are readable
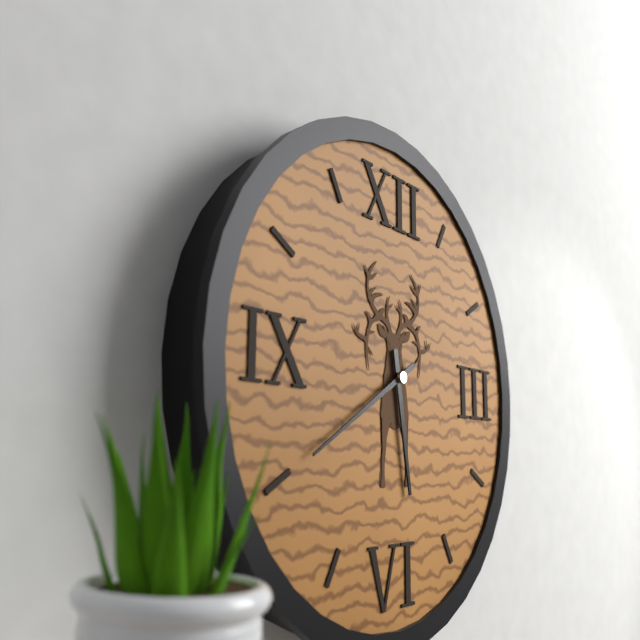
**5:40**
